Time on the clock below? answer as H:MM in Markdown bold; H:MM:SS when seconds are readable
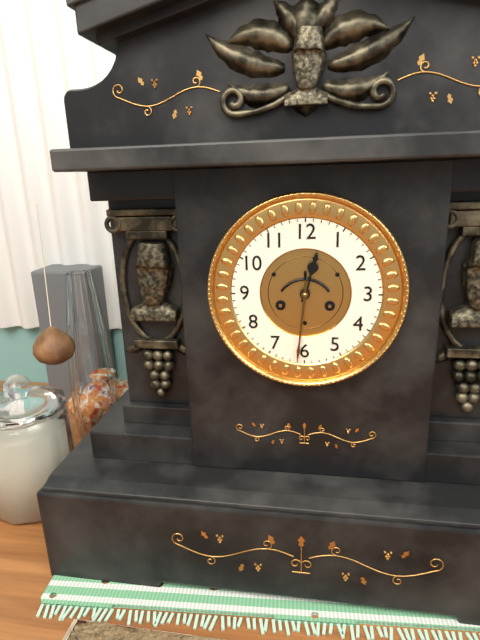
**12:31**
